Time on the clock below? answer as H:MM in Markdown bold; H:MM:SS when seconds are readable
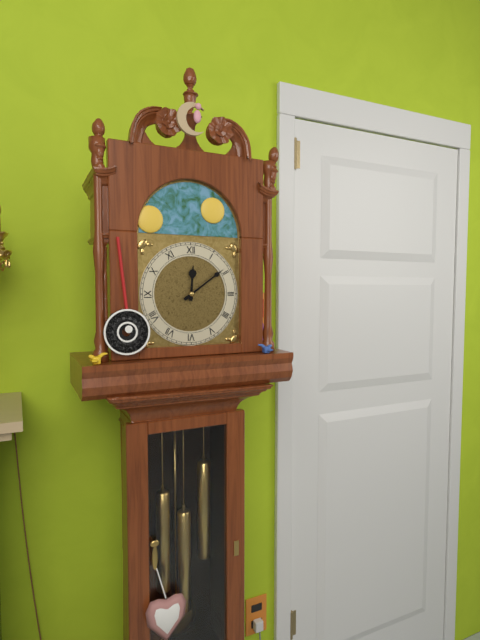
**12:09**
